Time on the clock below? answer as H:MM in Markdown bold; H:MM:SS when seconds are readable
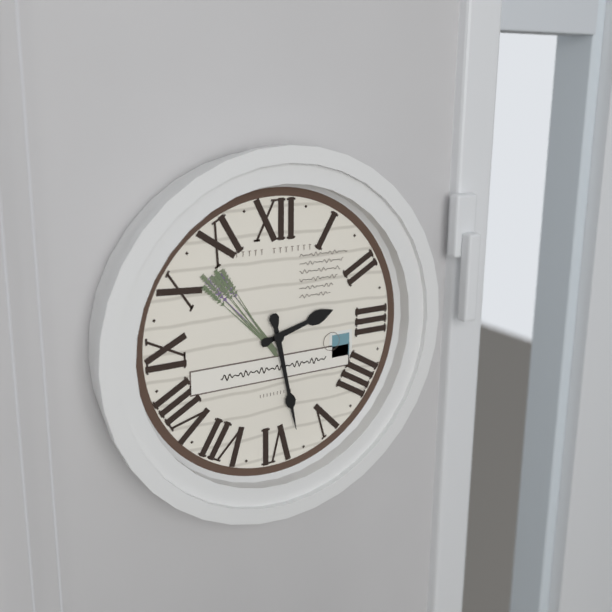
**2:28**
